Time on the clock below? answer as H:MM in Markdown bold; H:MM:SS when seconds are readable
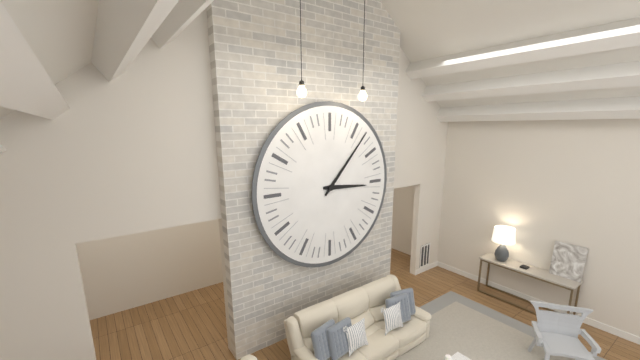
**3:07**
